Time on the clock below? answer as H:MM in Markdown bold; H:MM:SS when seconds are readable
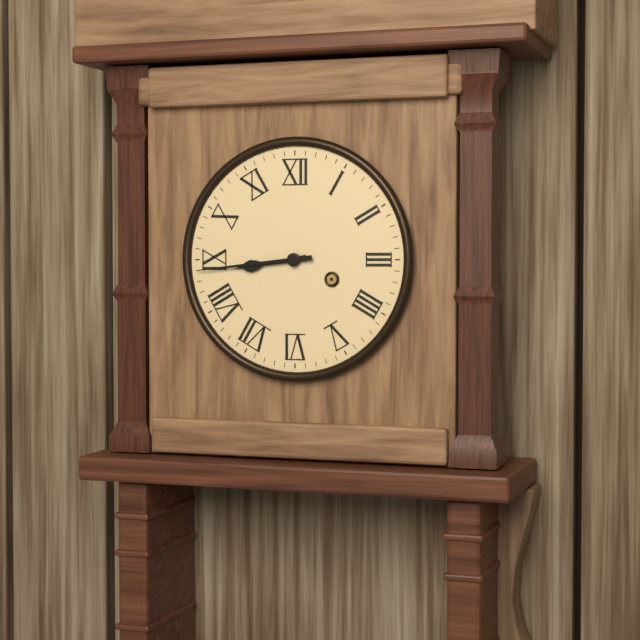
**8:44**
